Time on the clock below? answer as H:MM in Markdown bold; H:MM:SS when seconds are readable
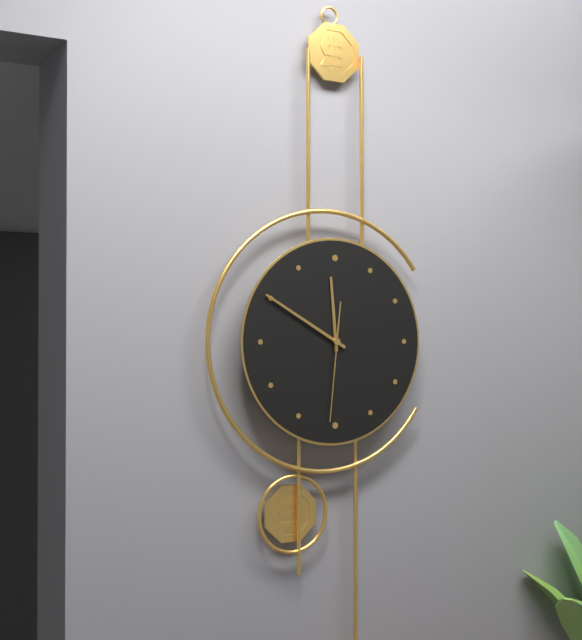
**11:50:31**
